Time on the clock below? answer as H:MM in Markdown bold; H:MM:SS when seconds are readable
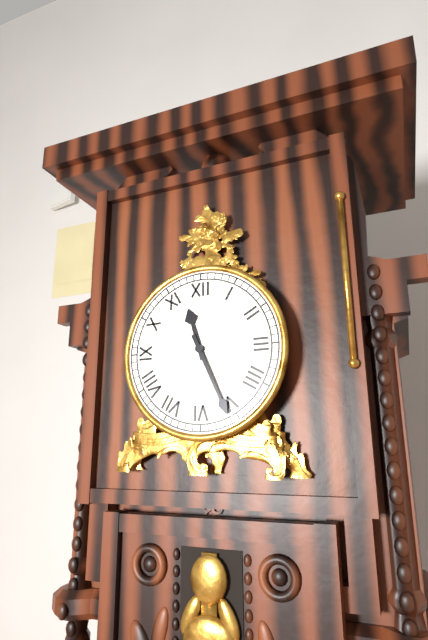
**11:26**
